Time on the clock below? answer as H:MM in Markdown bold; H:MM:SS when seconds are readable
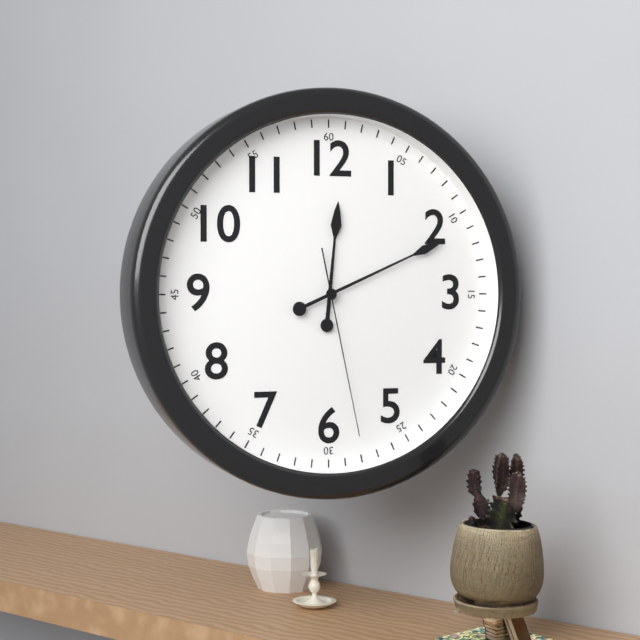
**12:11:28**
